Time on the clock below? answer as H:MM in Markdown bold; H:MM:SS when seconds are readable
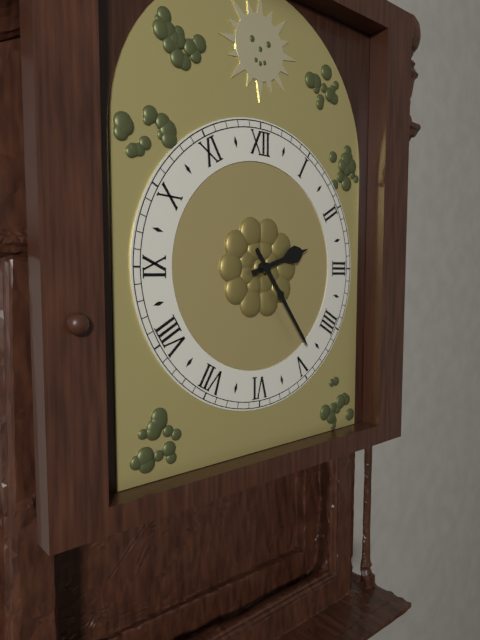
**2:24**
